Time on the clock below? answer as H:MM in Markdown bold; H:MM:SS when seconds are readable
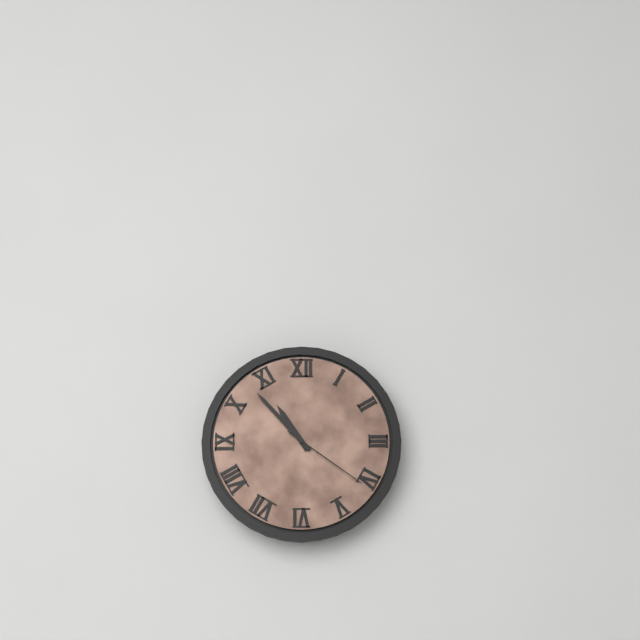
**10:53:21**
